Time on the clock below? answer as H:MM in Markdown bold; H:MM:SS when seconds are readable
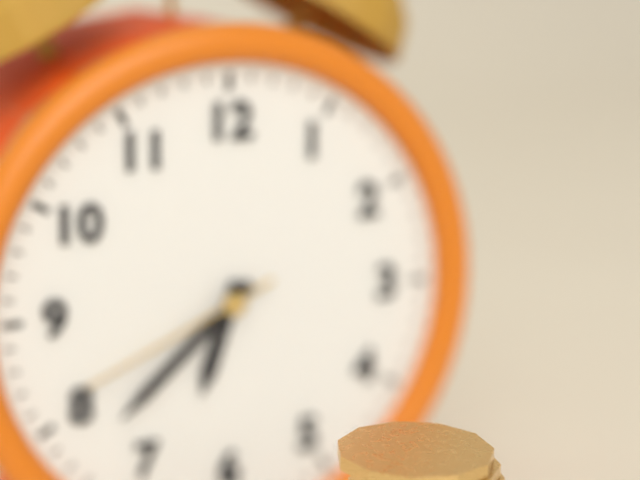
**6:38:41**
